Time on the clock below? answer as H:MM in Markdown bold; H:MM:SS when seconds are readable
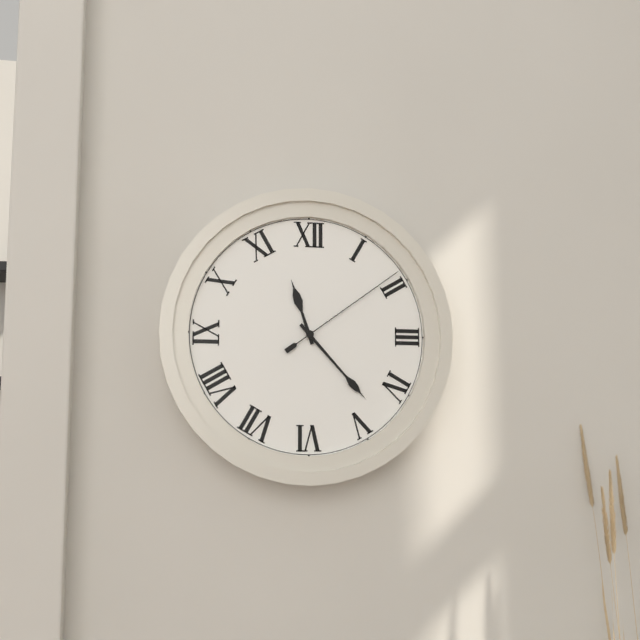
**11:23:09**
